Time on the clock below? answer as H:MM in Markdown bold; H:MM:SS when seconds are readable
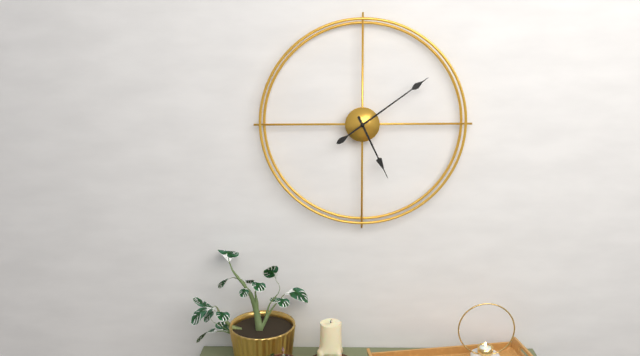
**5:09**
